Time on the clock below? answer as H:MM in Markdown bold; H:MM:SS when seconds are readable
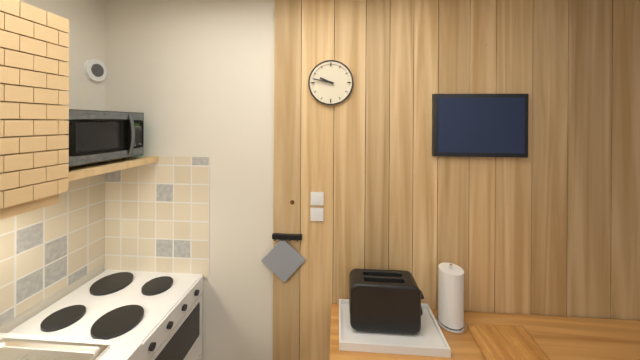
**9:47**
